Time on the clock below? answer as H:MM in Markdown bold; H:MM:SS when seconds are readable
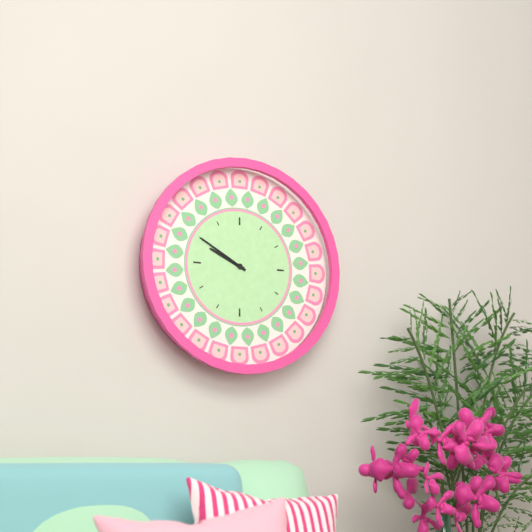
**9:50**
